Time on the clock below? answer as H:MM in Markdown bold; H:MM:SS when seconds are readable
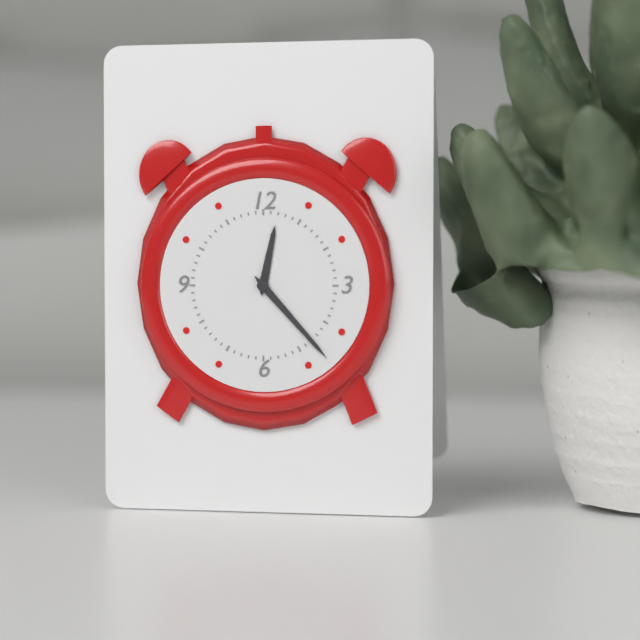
**12:23**
